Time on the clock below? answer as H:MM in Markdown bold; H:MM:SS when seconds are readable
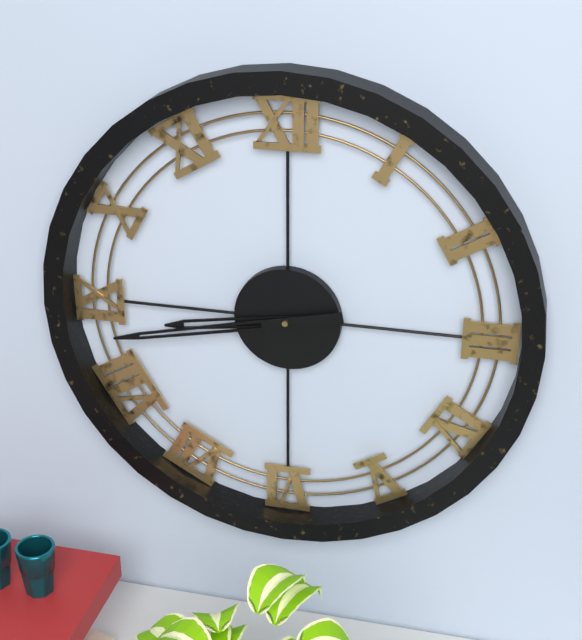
**8:43**
